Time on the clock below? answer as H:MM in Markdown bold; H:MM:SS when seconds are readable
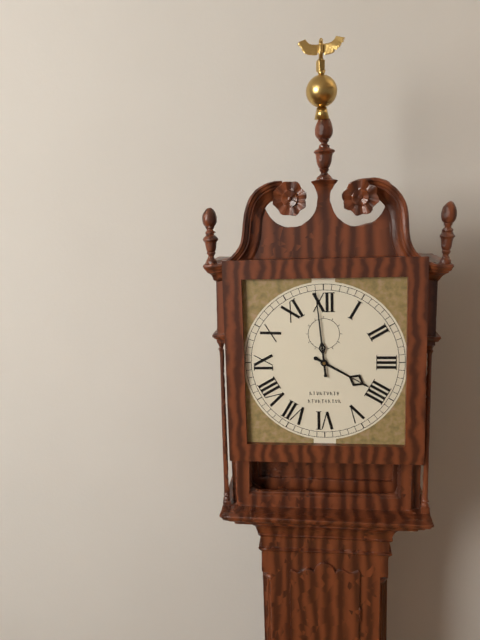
**3:59**
